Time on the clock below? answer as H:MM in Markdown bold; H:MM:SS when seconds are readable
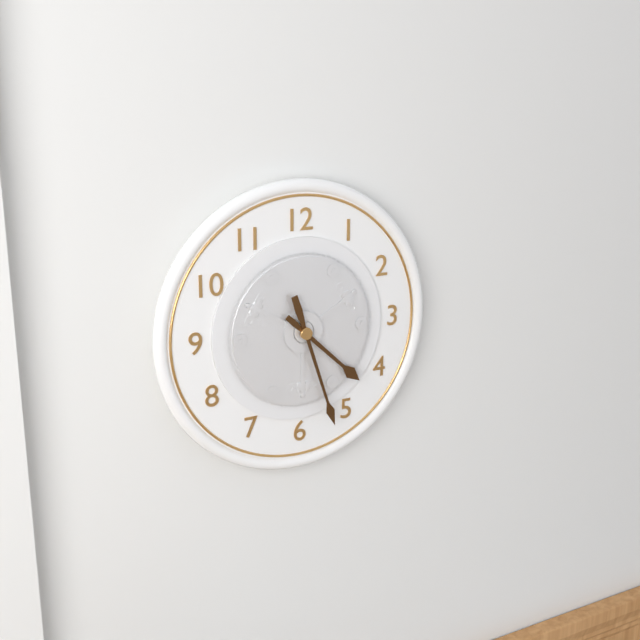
**4:27**
